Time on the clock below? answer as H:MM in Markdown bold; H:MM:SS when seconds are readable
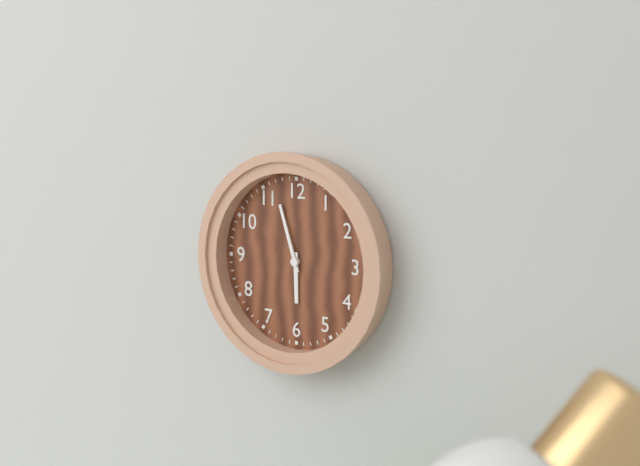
**5:57**
